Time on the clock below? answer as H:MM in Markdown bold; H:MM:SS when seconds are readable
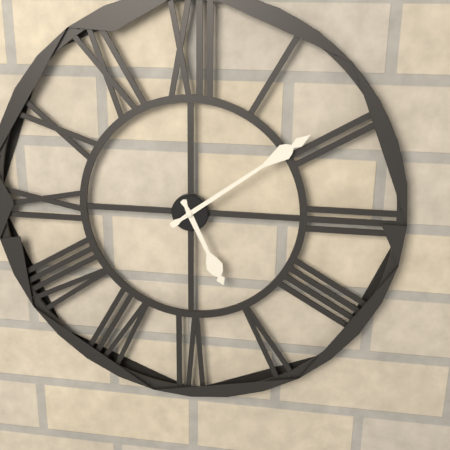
**5:09**
